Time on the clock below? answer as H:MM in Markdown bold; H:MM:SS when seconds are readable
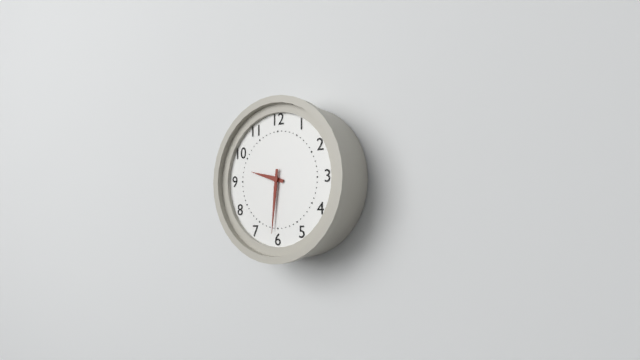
**9:31**
